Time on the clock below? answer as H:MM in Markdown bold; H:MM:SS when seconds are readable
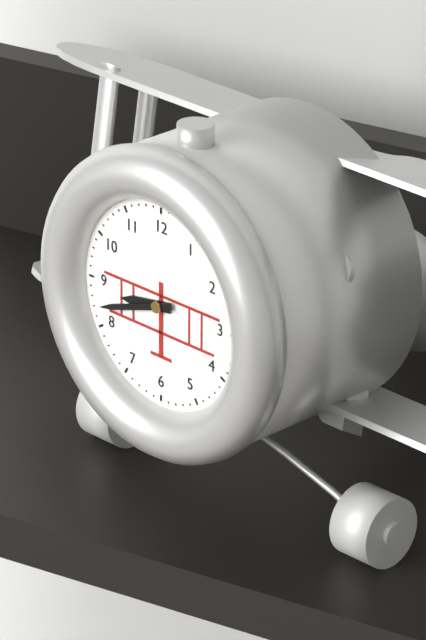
**8:42**
